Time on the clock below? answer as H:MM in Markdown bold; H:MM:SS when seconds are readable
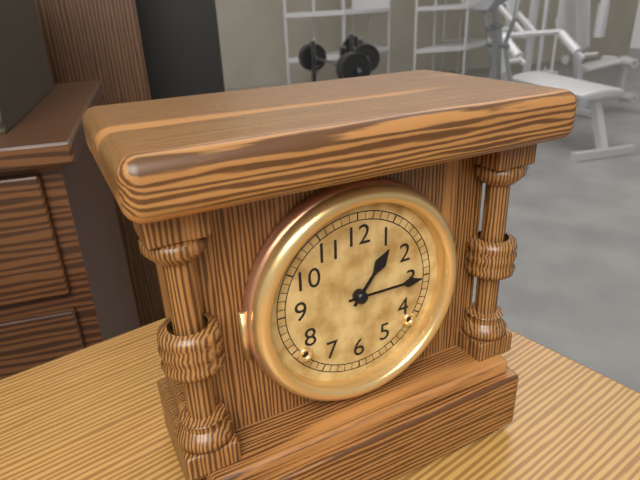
**1:15**
